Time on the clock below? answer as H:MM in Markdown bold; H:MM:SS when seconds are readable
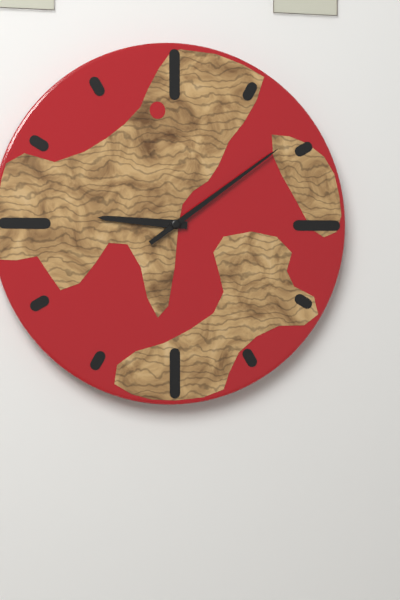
**9:09**
